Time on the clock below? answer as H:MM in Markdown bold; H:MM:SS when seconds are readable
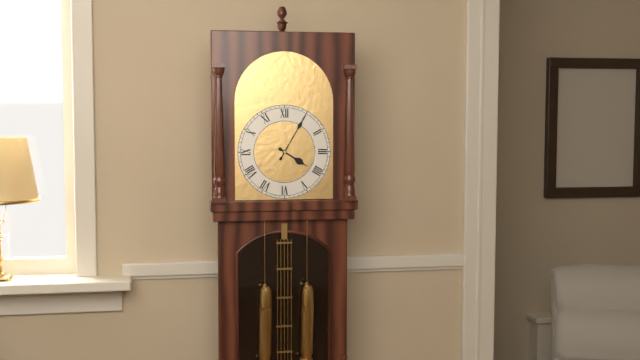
**4:05**
